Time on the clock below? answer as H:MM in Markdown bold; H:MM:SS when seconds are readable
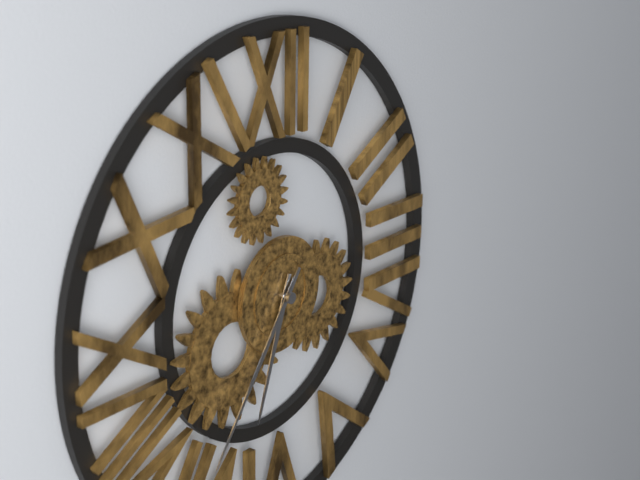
**6:36**
